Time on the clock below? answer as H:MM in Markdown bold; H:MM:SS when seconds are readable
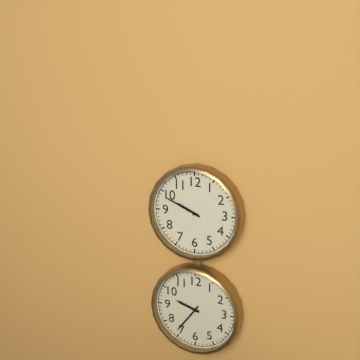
**9:49**
